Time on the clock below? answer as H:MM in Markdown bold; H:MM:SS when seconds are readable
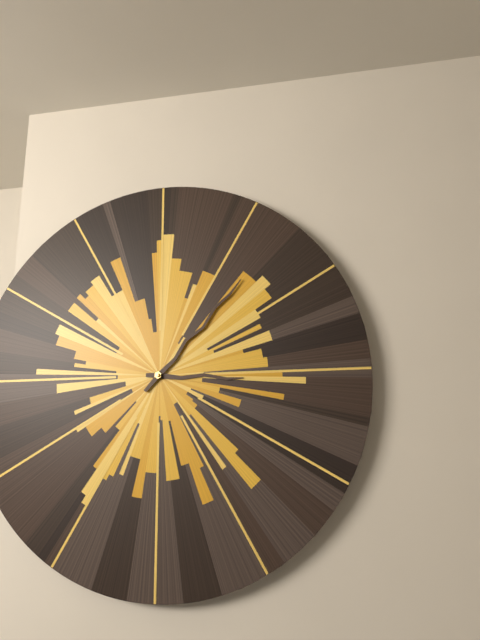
**3:07**
